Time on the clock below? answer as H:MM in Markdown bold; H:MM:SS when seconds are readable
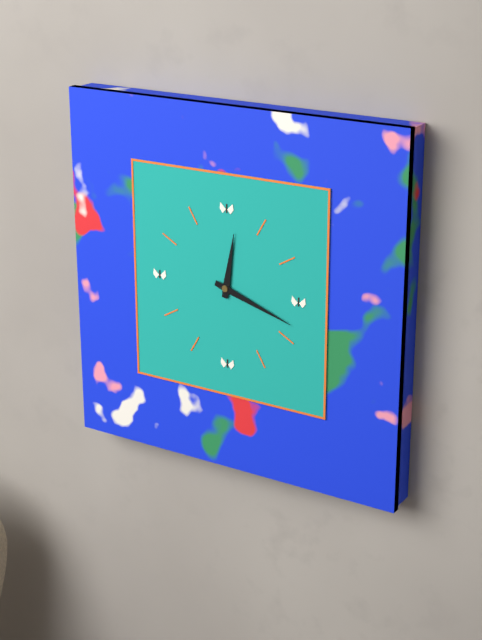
**12:18**
